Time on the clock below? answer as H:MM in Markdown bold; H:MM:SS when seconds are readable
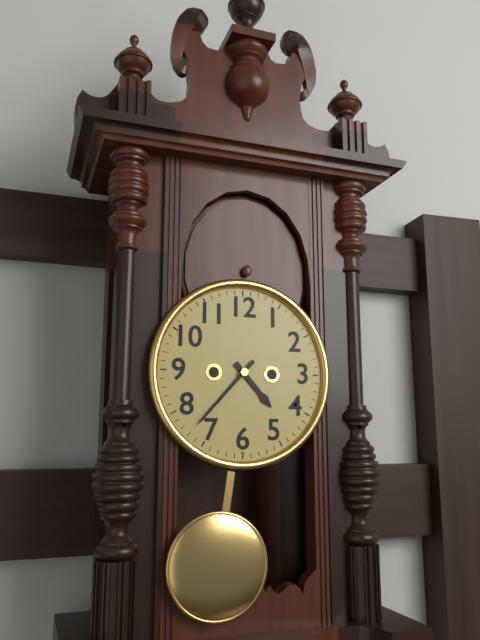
**4:37**
